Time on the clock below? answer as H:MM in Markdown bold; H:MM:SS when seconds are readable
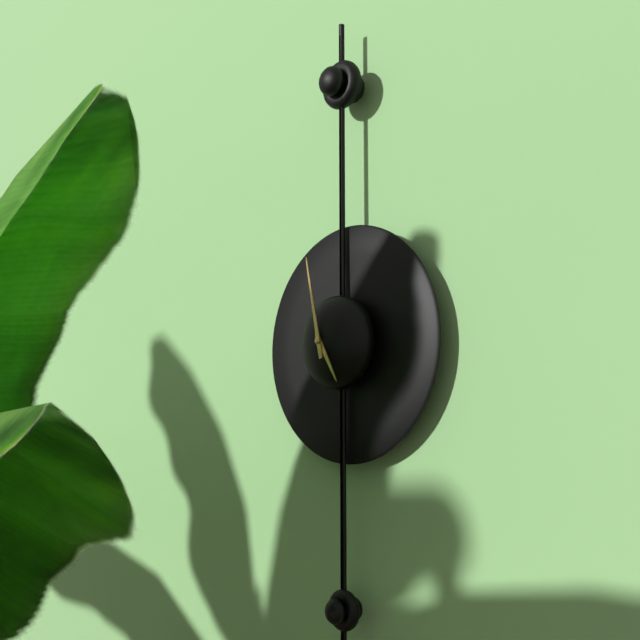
**4:58**
